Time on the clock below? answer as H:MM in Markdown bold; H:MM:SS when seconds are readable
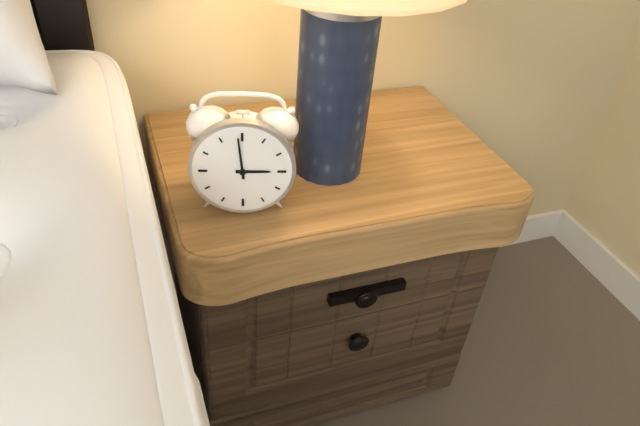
**2:59**
